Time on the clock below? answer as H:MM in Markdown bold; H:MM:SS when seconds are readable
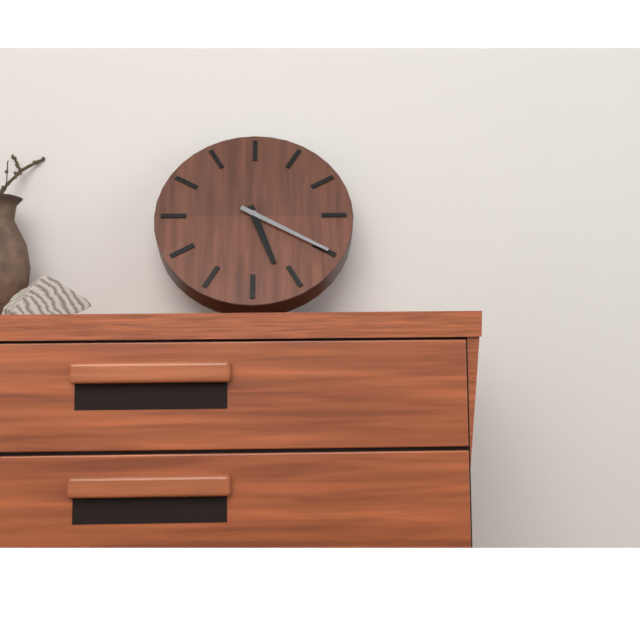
**5:20**
